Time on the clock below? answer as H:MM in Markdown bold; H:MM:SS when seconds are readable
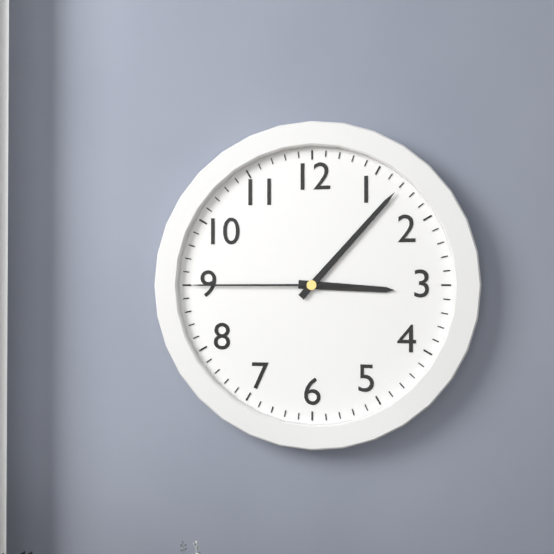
**3:07:45**
